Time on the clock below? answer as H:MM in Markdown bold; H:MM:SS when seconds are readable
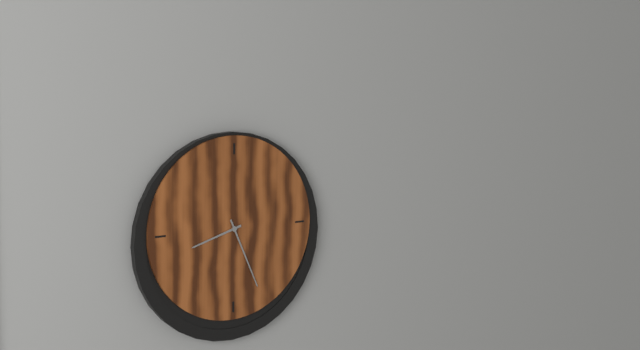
**8:26**
